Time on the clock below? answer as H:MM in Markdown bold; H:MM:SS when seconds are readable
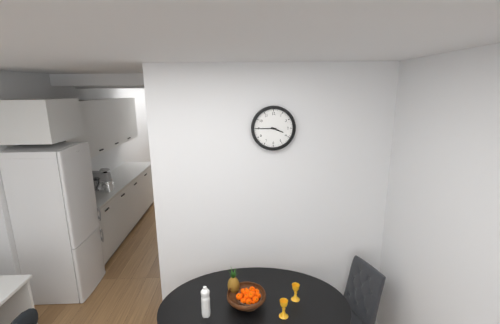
**3:45**
